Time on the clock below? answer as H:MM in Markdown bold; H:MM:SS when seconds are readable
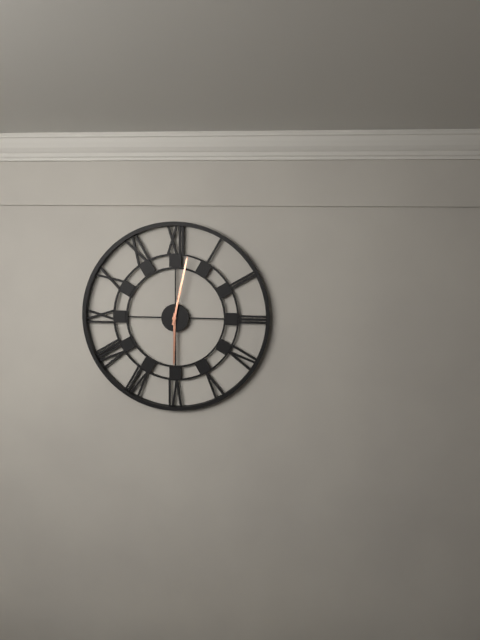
**6:02**
